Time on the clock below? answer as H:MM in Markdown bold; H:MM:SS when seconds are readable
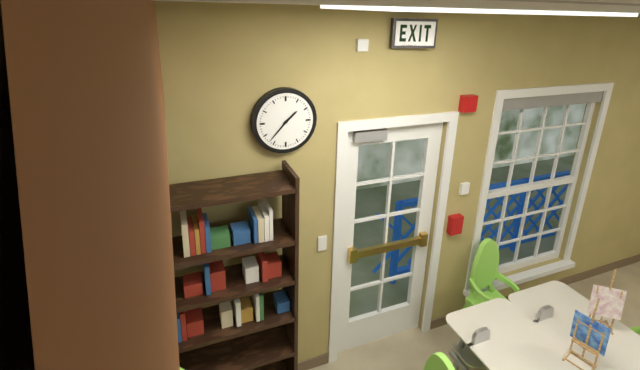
**1:37**
